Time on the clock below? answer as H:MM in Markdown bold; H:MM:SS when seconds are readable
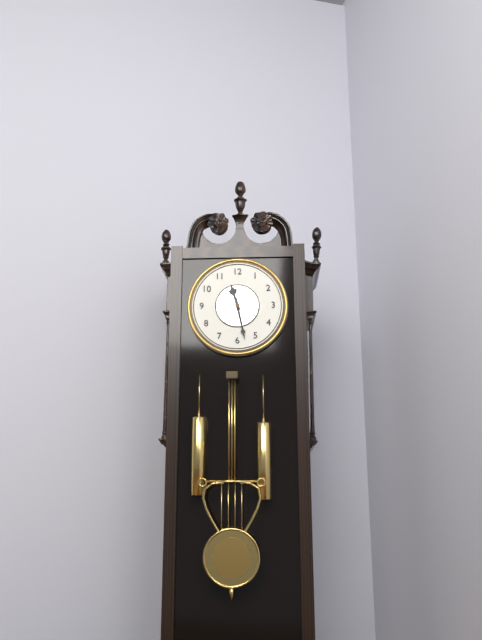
**11:28**
